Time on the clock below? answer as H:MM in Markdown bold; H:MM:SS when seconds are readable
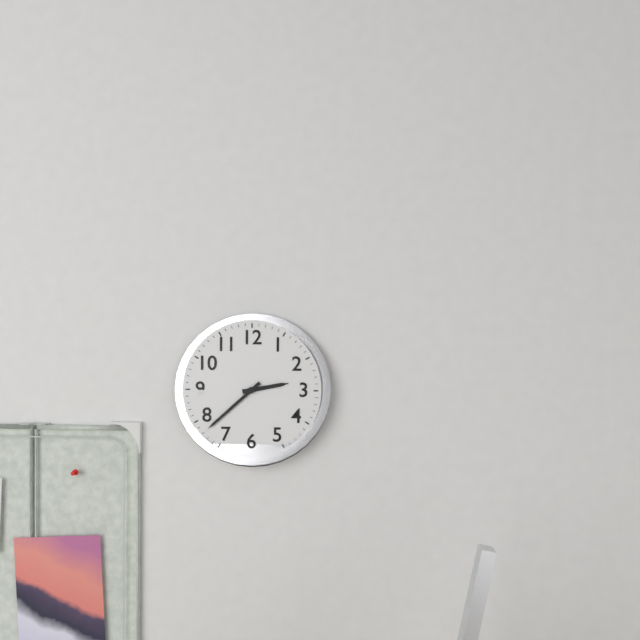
**2:38**
